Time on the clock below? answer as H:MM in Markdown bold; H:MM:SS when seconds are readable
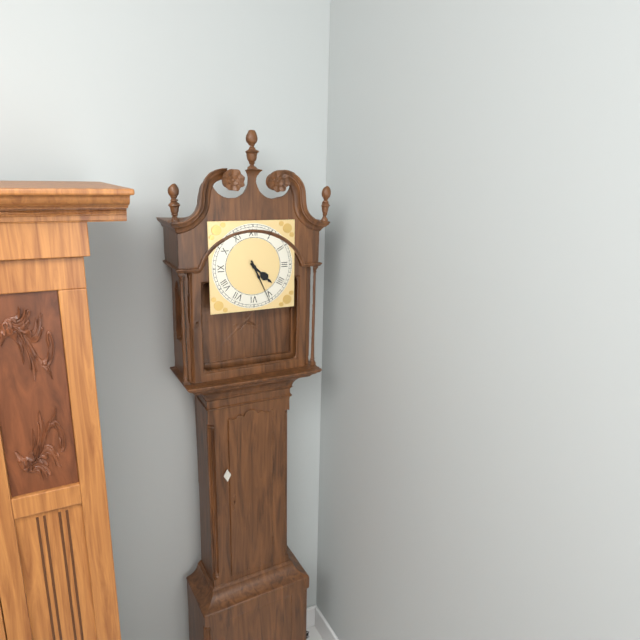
**4:26**
